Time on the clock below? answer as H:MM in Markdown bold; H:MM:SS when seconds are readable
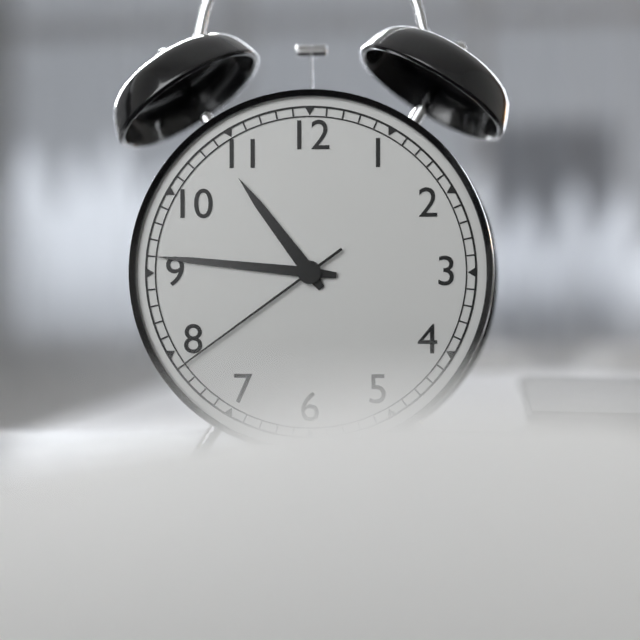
**10:46:39**
